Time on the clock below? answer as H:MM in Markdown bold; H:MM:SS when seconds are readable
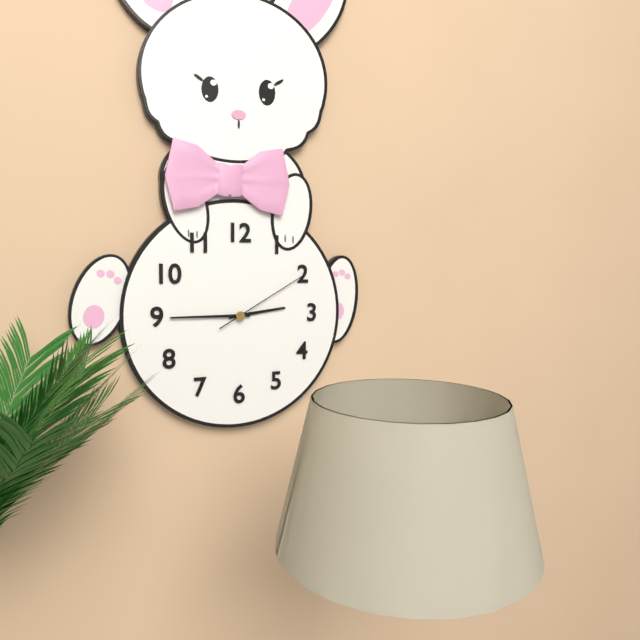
**2:45:10**
